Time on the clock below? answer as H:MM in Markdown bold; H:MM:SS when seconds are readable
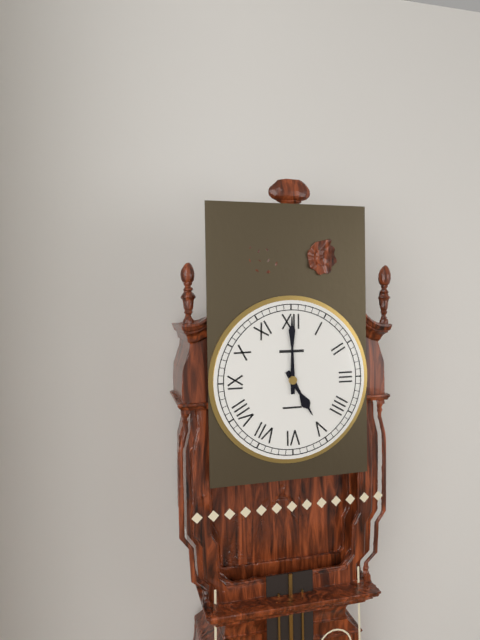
**5:00**
